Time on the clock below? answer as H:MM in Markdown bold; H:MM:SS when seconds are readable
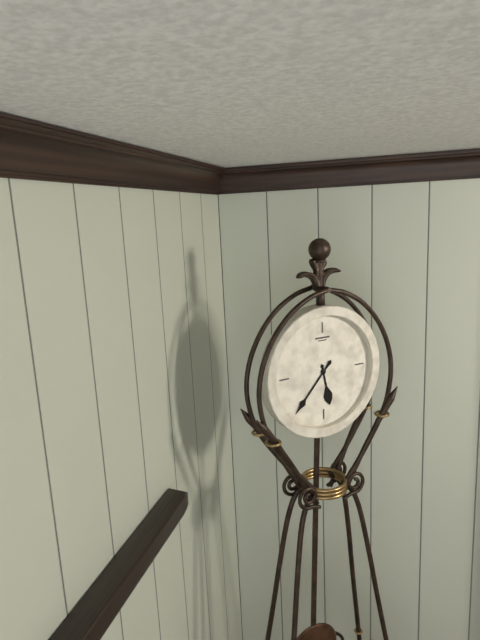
**5:37**
